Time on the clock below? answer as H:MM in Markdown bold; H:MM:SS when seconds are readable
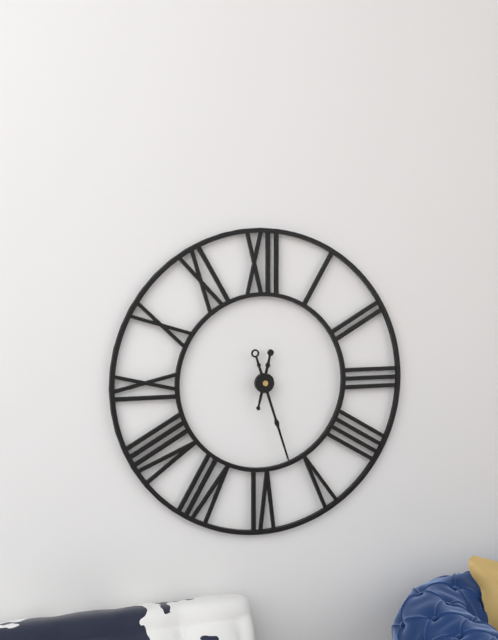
**12:27**
